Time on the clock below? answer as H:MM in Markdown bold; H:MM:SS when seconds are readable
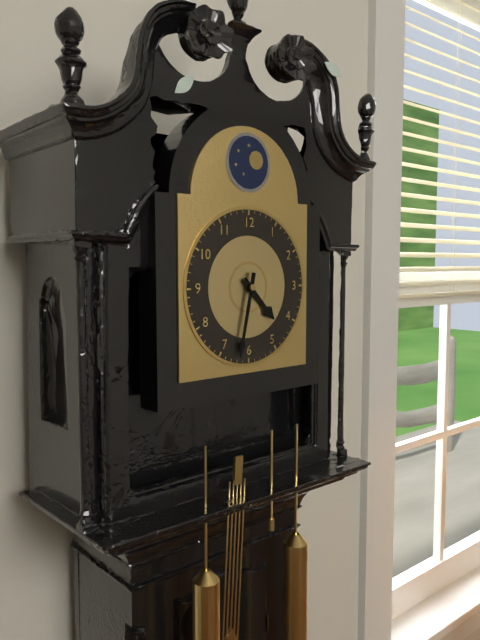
**4:32**
